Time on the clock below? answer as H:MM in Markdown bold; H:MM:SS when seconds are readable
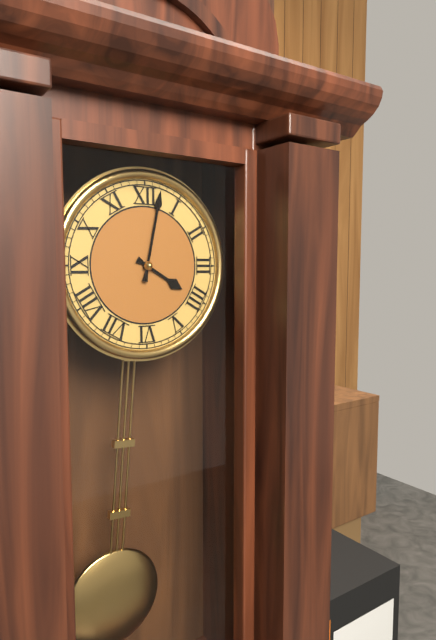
**4:02**
